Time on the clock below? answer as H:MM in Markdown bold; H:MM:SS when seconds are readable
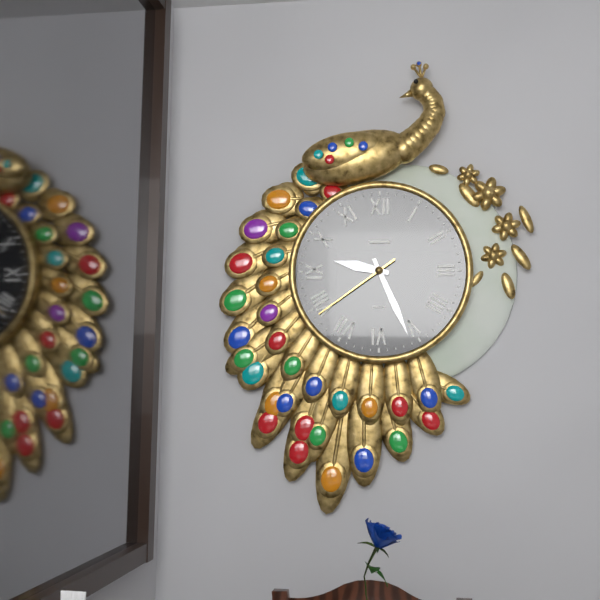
**9:26:39**
